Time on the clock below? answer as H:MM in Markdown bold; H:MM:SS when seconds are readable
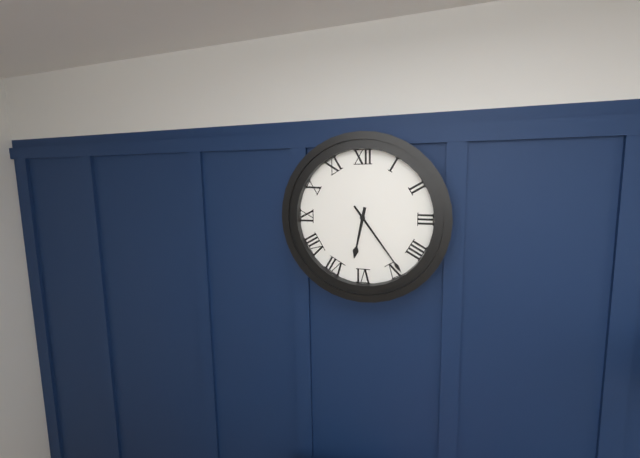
**6:24**
